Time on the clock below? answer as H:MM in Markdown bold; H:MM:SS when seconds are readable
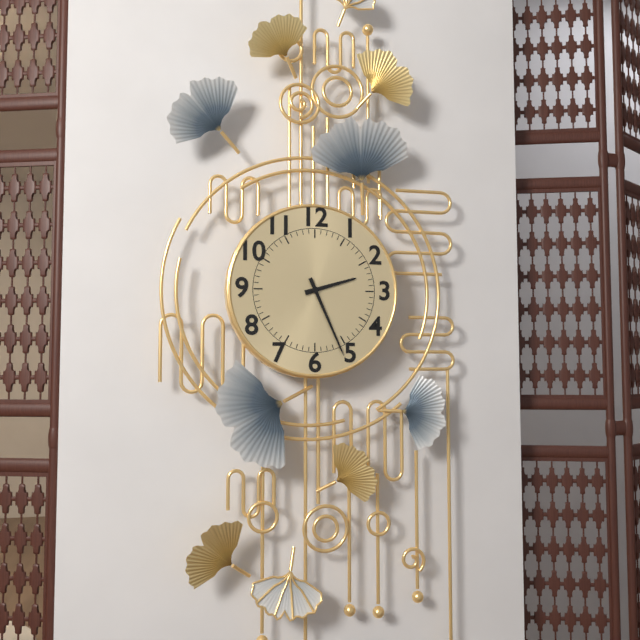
**2:26**
